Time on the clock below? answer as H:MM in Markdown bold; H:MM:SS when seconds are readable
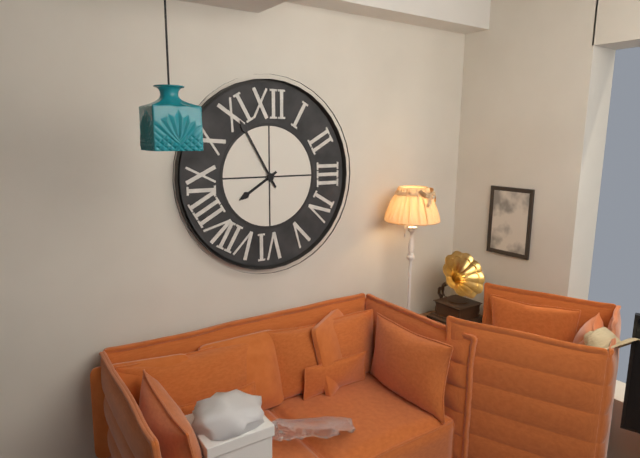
**7:55**
